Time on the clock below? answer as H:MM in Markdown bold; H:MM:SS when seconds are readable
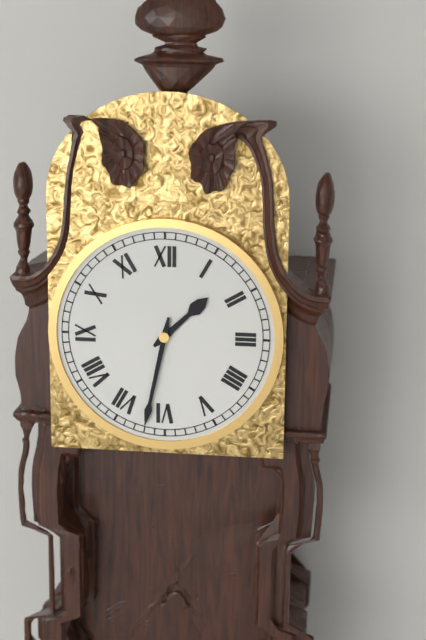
**1:32**
